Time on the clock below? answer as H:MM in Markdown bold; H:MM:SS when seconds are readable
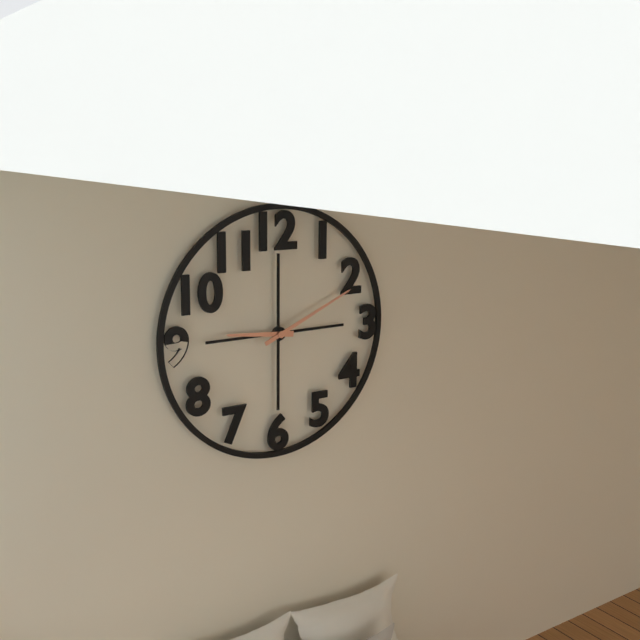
**9:11**
